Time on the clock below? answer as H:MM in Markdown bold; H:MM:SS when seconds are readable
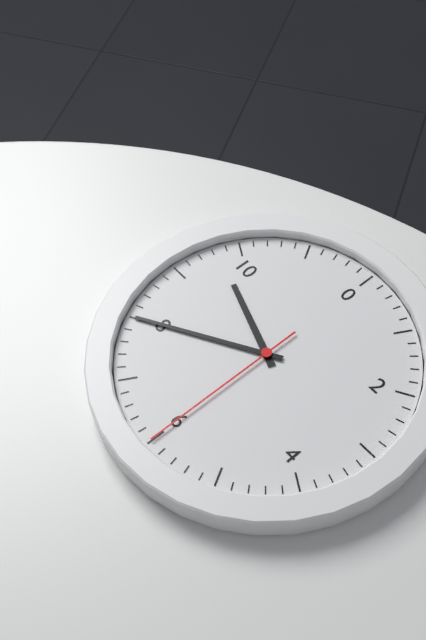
**9:40:30**
